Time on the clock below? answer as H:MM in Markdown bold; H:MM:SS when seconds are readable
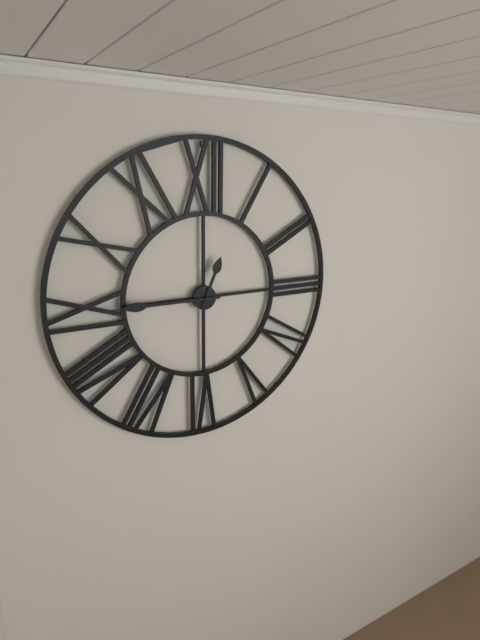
**12:45**
